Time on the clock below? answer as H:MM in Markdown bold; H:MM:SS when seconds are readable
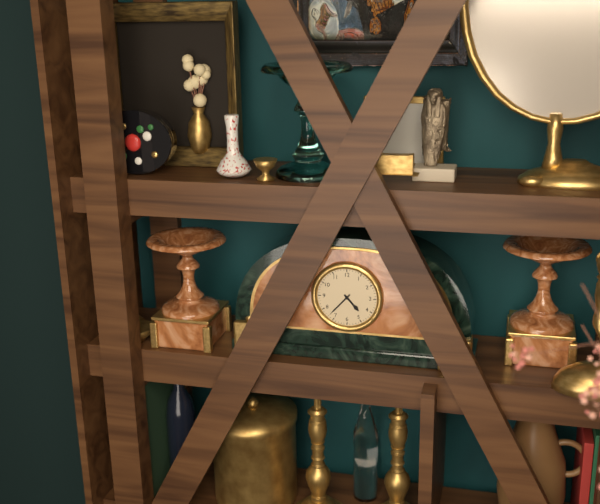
**4:37**
